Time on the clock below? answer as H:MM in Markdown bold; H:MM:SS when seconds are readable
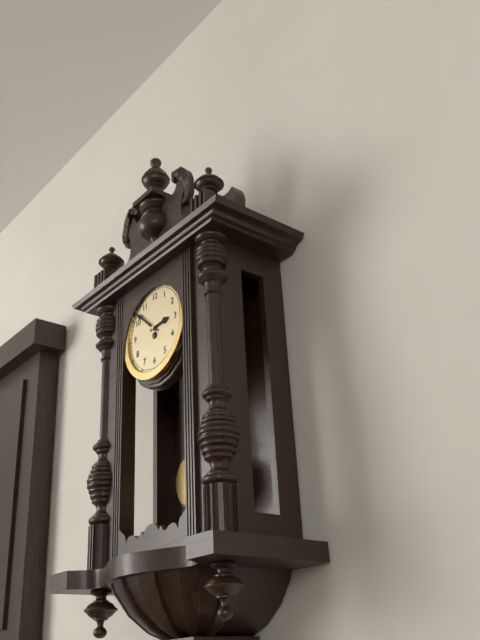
**2:52**
